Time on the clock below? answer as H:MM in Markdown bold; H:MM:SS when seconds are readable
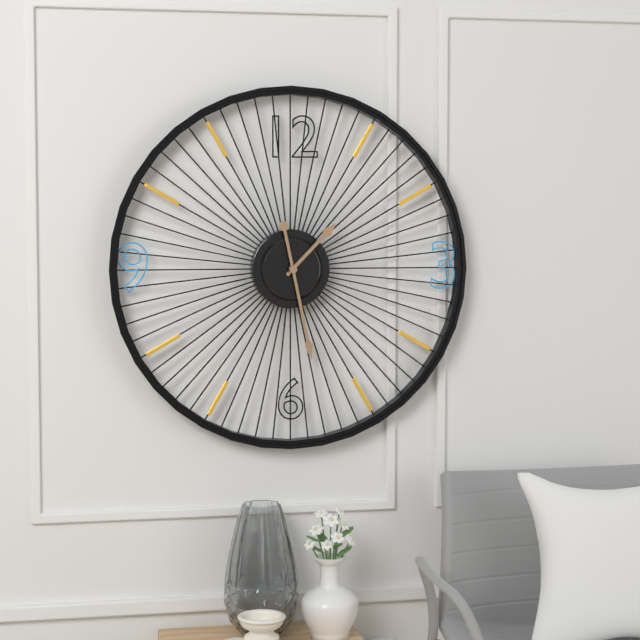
**1:28**
